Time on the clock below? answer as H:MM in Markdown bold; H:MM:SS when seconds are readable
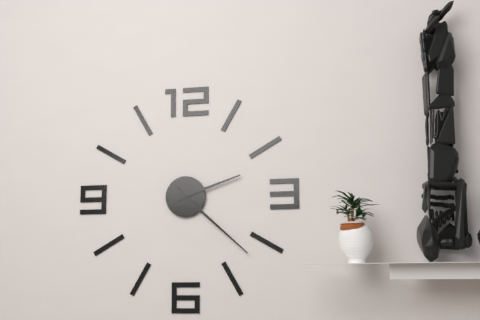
**2:22**
